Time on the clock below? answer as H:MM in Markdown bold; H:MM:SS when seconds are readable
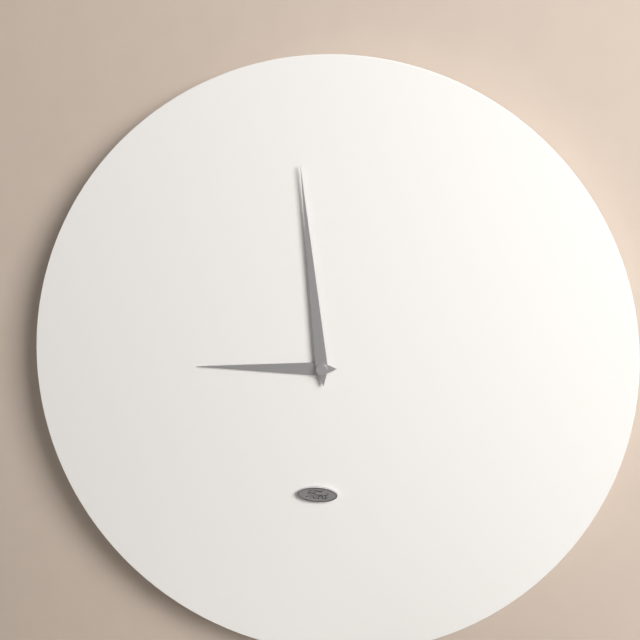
**8:59**
